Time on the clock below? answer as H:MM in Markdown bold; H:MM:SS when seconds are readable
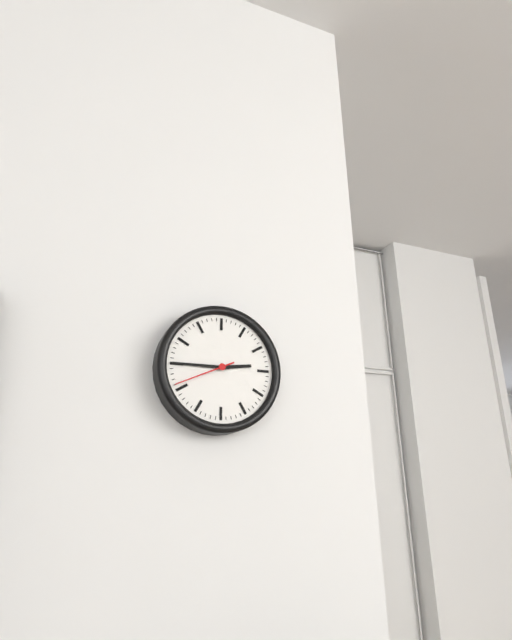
**2:45:41**
